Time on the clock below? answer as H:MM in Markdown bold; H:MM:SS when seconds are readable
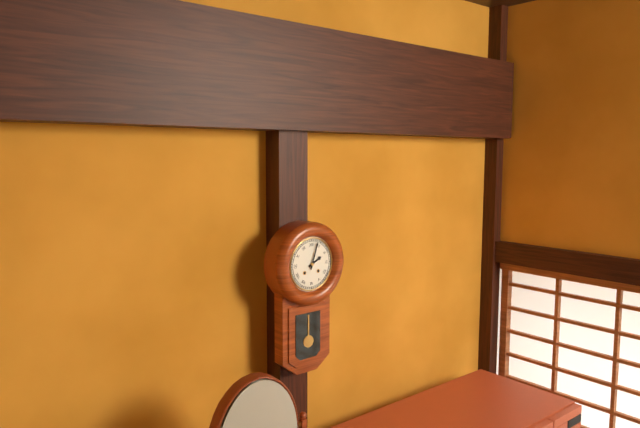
**2:03**
